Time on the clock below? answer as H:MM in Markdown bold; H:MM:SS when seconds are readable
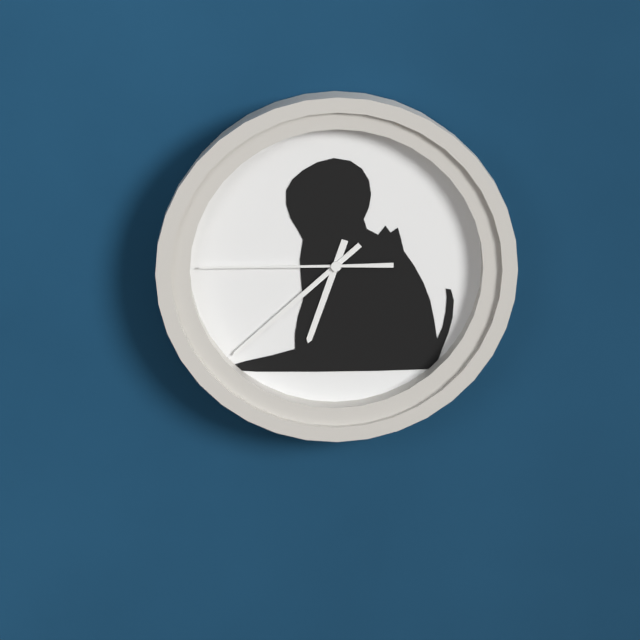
**6:38:45**
